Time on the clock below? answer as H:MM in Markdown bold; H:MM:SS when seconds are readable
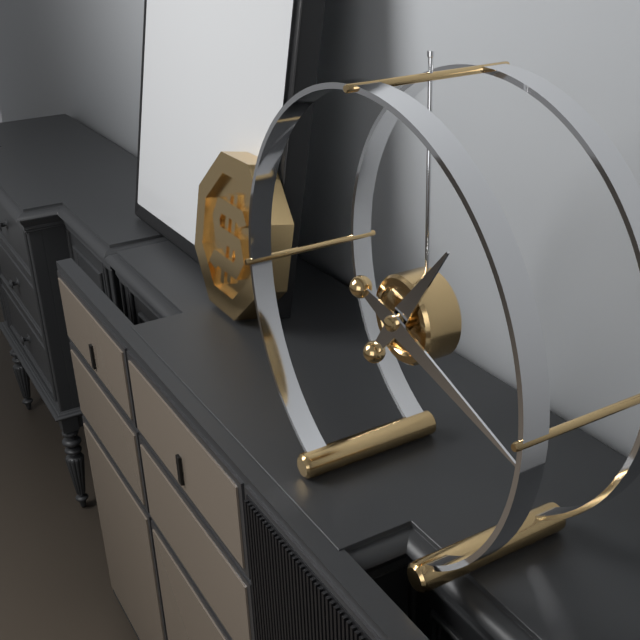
**1:18**
